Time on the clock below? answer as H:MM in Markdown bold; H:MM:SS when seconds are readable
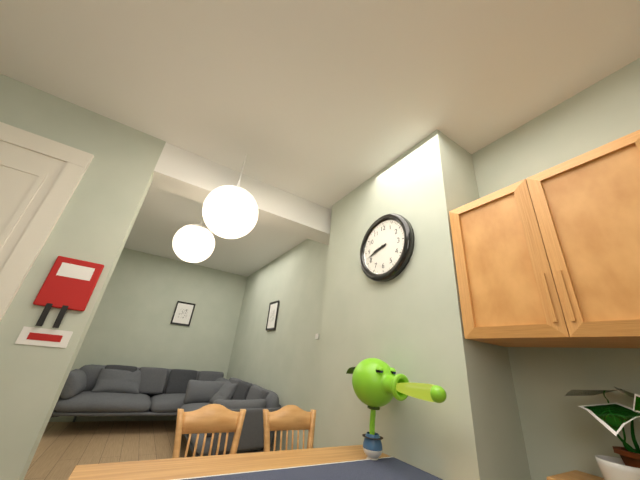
**8:42**
